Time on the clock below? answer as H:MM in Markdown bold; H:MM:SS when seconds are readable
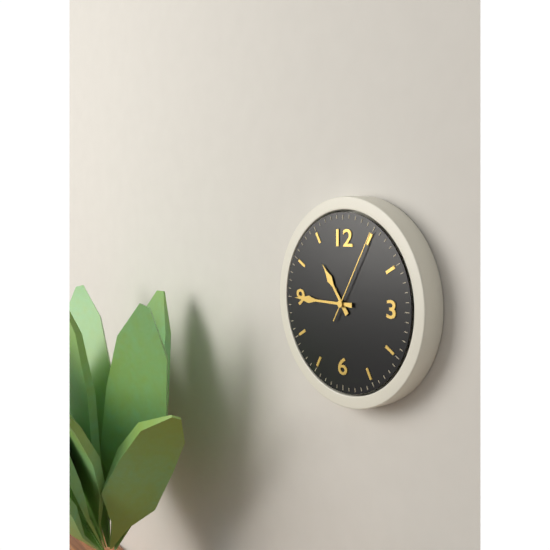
**10:45:05**
